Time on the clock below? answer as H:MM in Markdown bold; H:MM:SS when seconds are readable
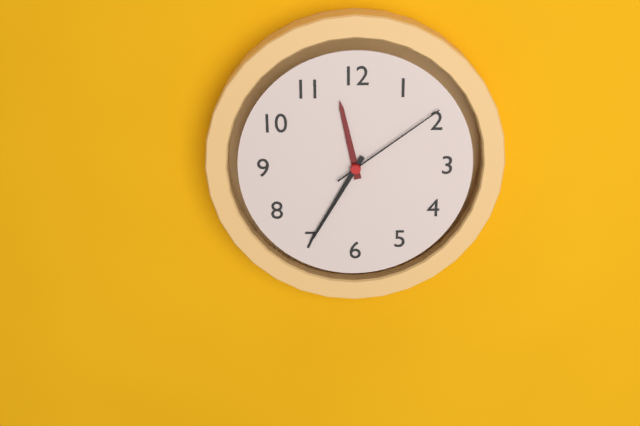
**11:35:09**
